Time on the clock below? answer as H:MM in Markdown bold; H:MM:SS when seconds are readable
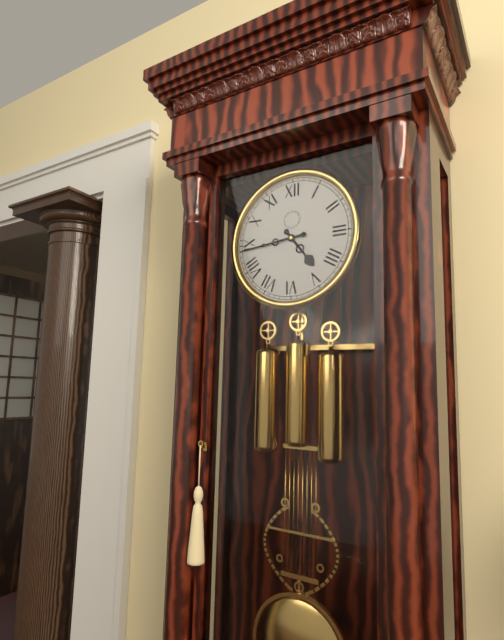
**4:44**
